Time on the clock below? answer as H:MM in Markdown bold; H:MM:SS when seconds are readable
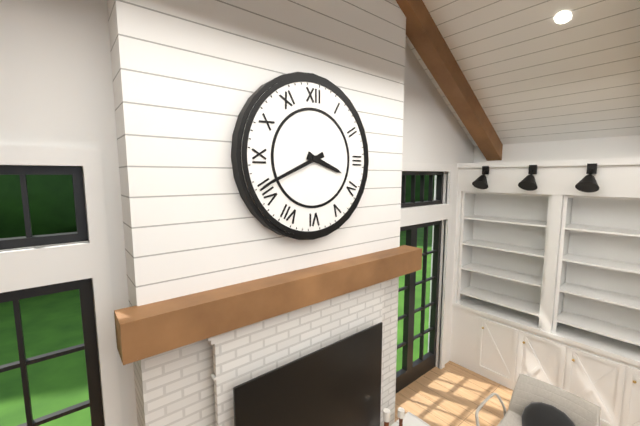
**3:41**
